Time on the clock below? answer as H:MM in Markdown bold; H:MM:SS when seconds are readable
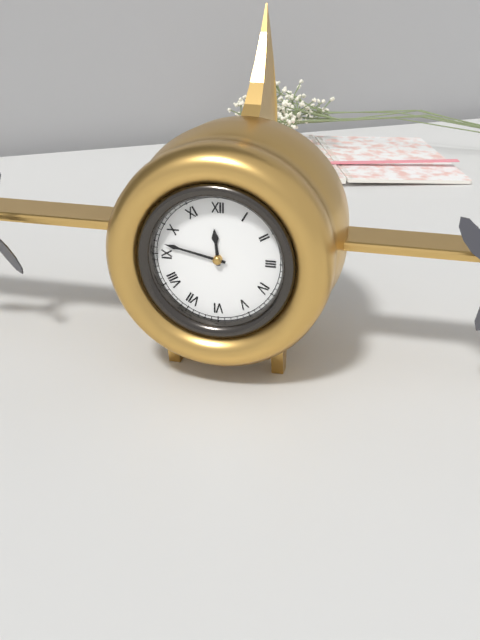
**11:47**
